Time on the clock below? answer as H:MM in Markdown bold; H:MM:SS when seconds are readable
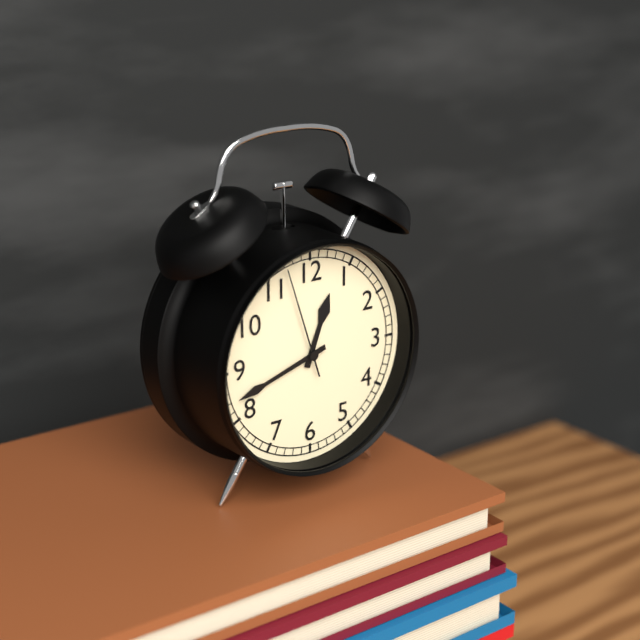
**12:42:57**
